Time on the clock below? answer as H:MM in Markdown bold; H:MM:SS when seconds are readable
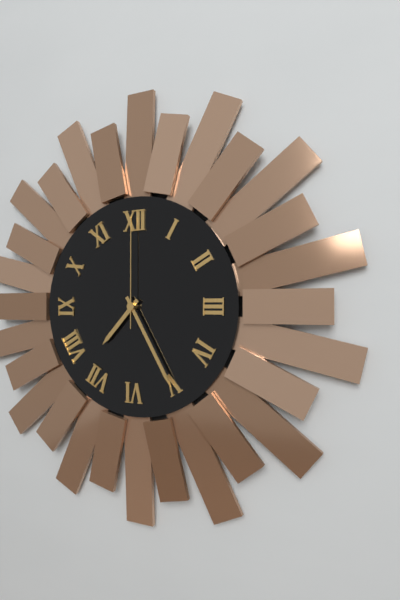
**7:25:00**
